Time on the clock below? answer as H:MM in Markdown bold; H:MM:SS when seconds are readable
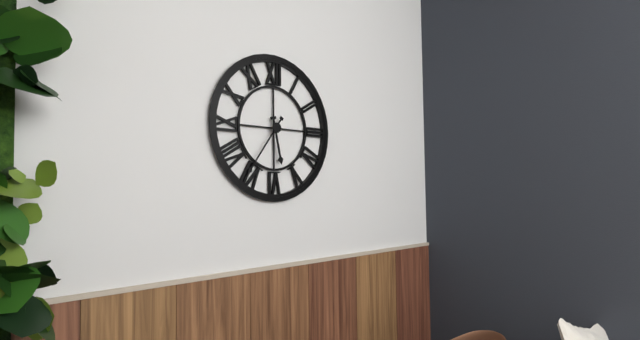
**5:36**
